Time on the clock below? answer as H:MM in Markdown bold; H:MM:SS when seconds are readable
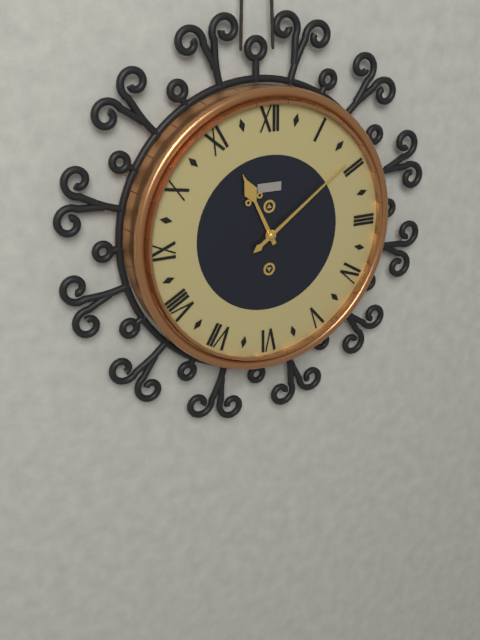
**11:09**
